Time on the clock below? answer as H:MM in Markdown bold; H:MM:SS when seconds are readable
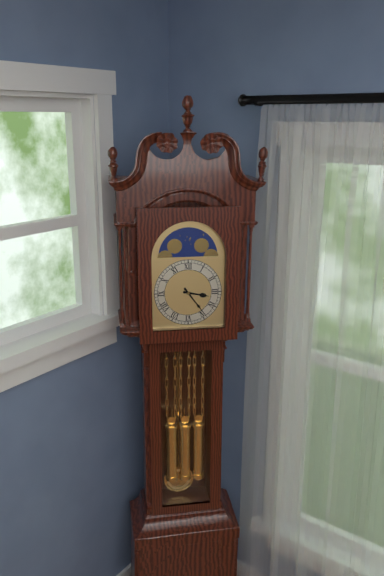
**3:24**
